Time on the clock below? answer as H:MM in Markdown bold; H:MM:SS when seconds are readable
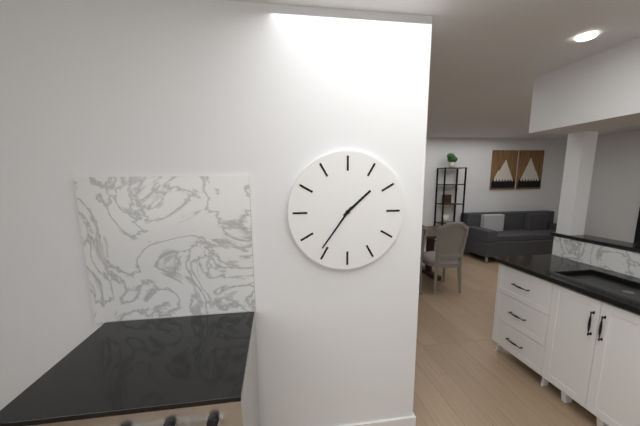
**1:36**
